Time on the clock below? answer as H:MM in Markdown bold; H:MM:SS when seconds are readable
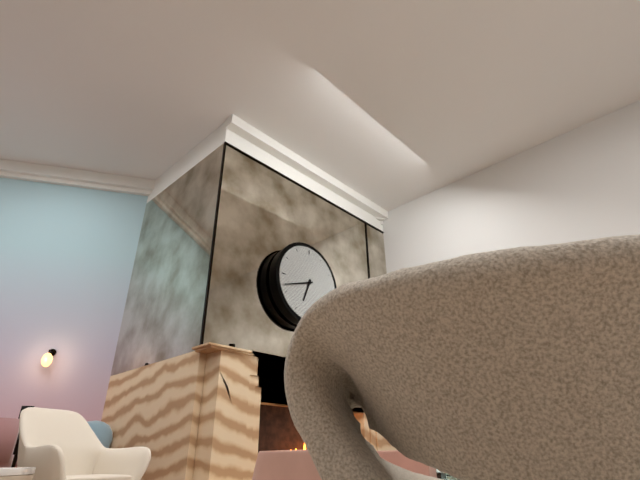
**6:42**
